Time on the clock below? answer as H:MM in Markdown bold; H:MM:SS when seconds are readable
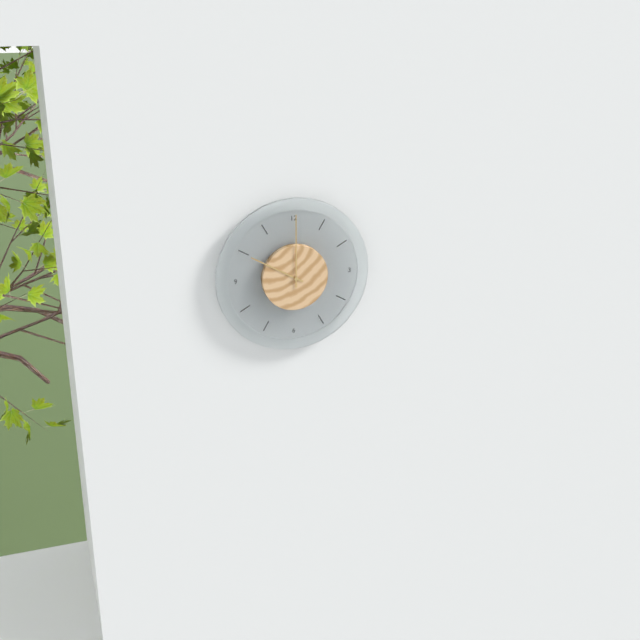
**10:00**
